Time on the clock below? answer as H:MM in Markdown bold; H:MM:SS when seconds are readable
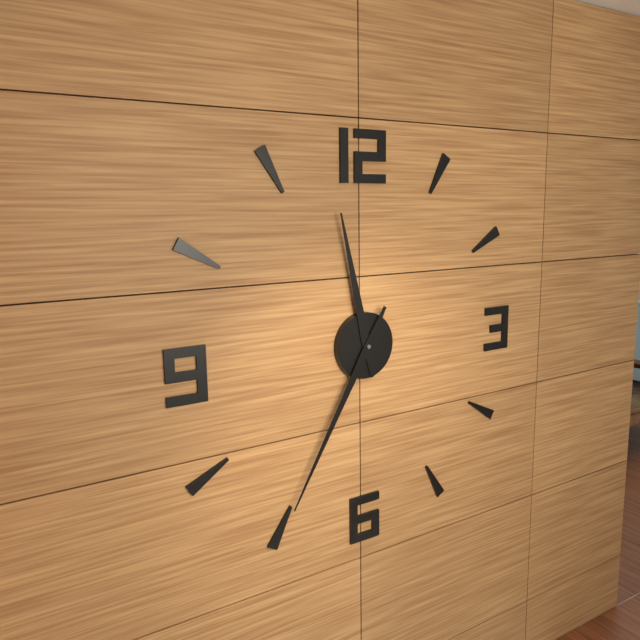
**11:35**
